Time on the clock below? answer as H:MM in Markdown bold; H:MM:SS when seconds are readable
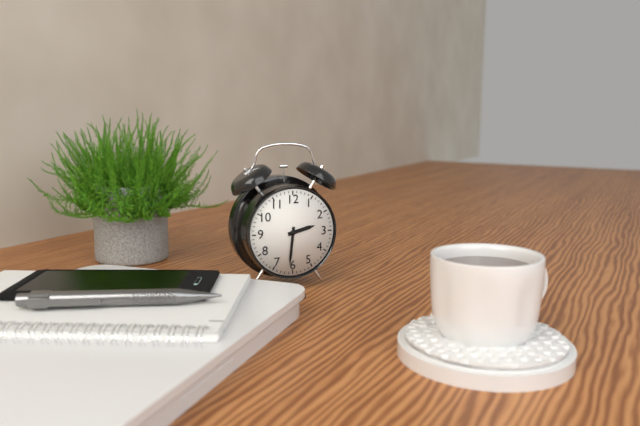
**2:31**
